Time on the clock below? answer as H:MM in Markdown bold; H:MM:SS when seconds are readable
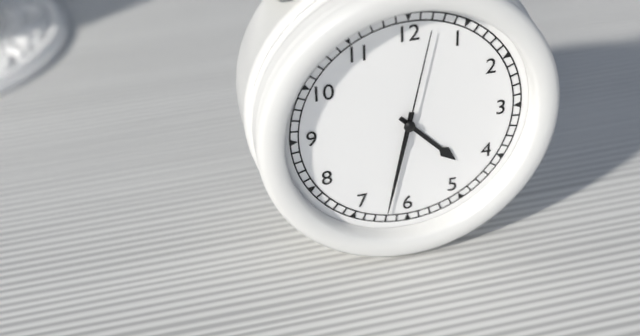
**4:32:02**
